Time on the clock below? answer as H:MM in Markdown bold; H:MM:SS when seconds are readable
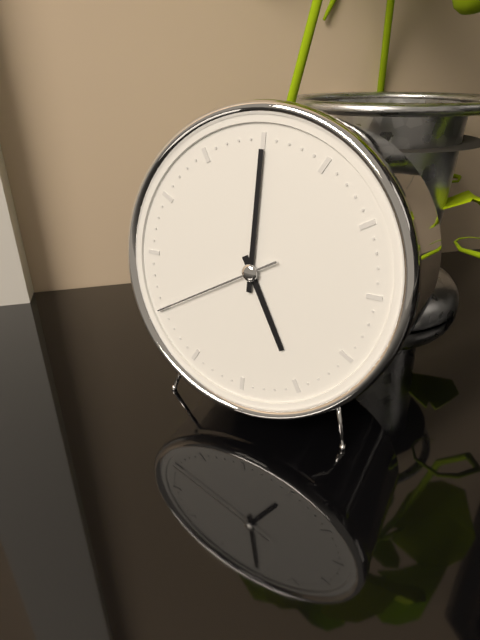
**5:00:40**
